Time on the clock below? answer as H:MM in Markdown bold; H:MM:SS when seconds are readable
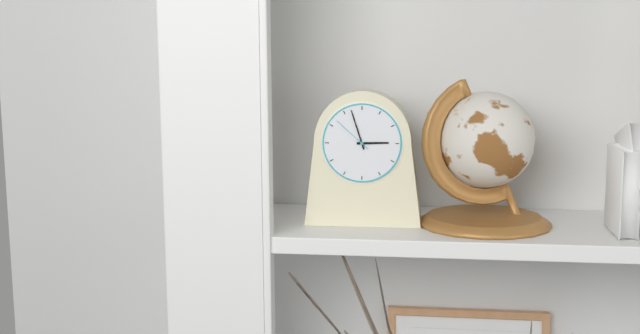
**2:57**
